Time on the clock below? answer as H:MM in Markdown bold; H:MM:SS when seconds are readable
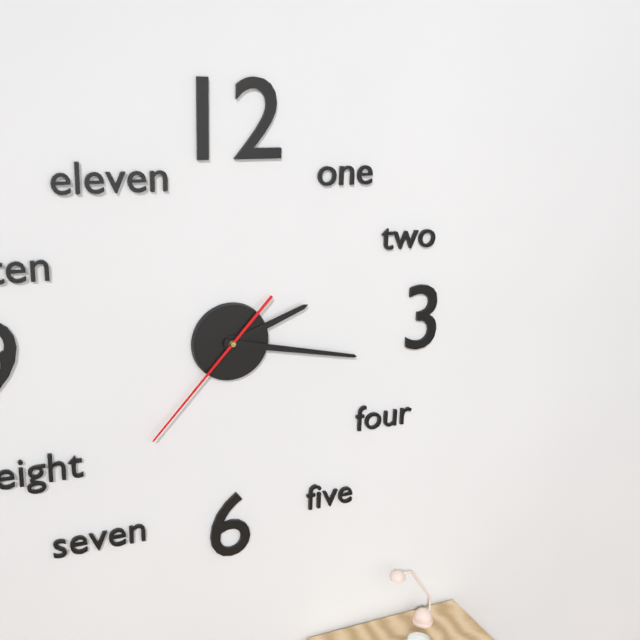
**2:17:37**
